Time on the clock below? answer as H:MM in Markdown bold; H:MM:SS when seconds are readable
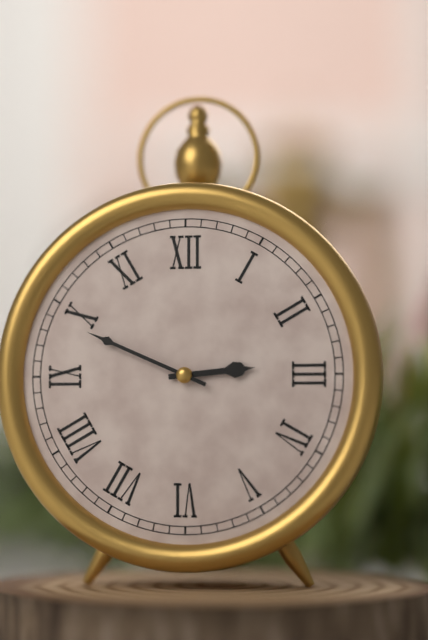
**2:49**
